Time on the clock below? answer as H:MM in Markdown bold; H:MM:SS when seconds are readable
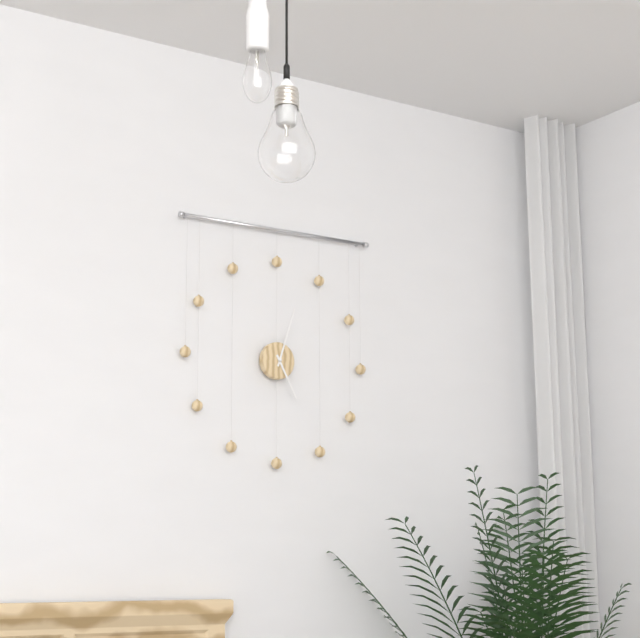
**5:03**
